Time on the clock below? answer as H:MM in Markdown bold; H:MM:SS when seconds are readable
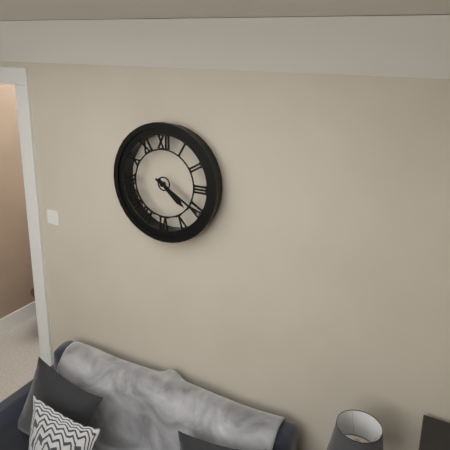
**4:20**
